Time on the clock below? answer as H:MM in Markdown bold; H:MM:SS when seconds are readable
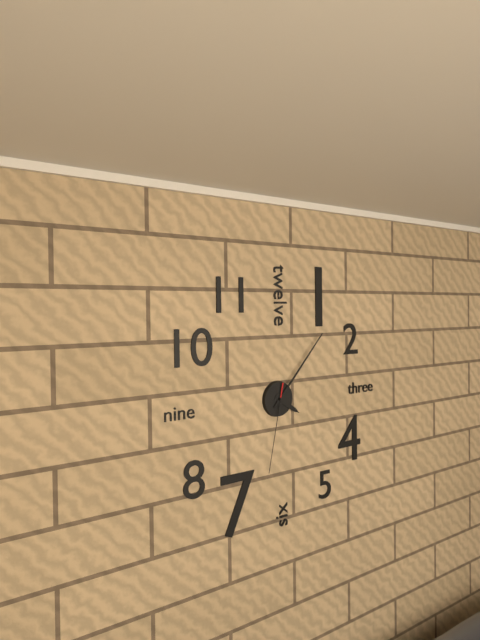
**4:07:32**
